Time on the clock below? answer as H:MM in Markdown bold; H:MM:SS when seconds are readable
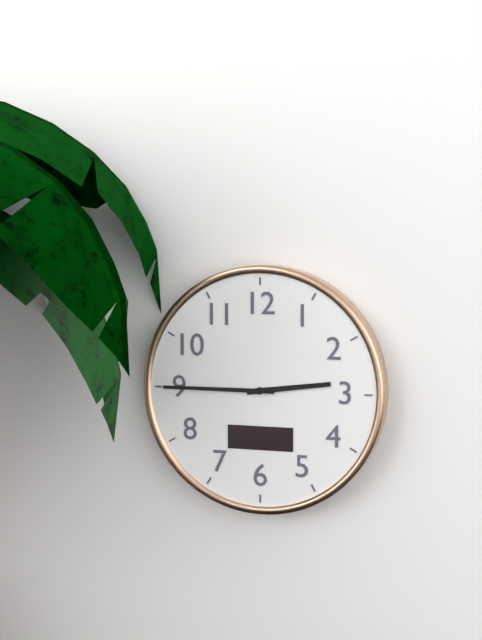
**2:45**
